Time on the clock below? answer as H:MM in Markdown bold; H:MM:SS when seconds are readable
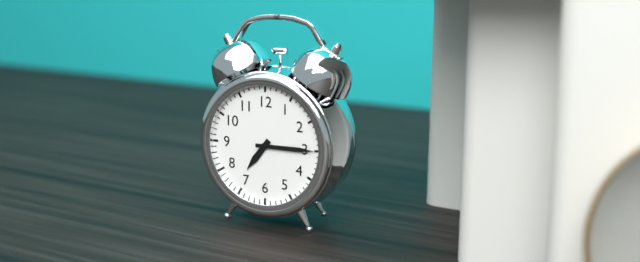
**7:15**
